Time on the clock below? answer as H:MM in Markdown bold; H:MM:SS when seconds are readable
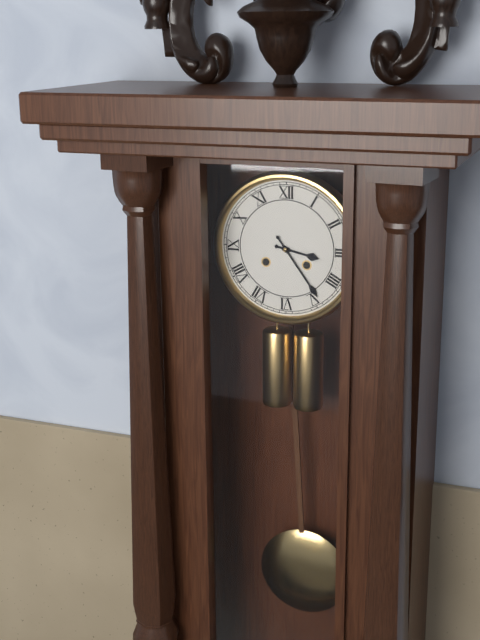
**3:24**
